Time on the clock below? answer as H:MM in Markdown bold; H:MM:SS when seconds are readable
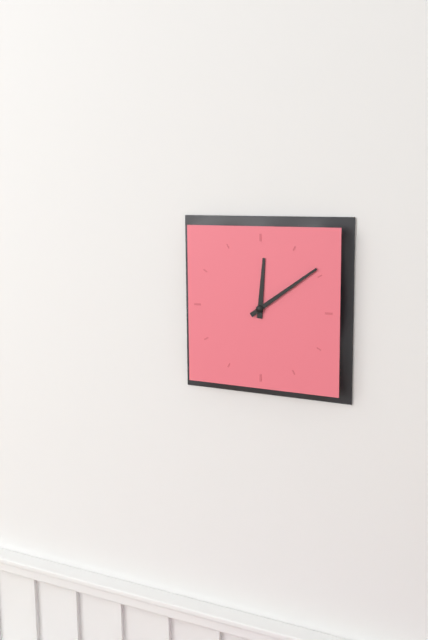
**12:09**
